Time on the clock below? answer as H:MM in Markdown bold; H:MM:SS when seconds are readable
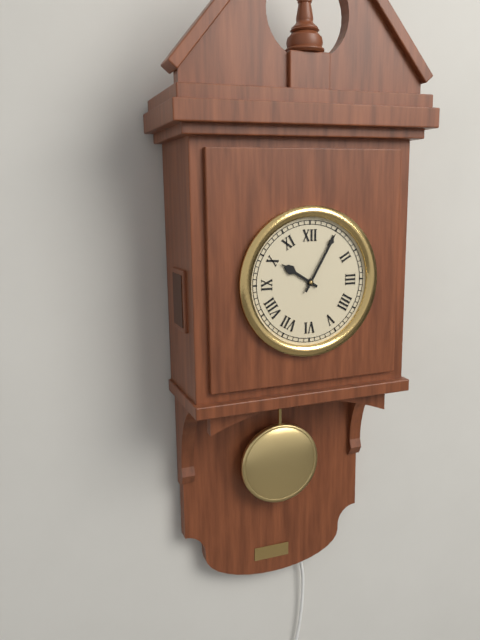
**10:05**
